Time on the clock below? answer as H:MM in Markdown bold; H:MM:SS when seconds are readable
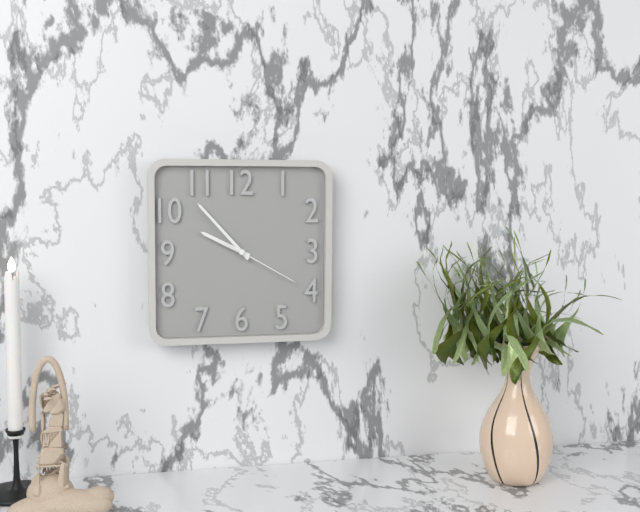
**9:53:20**
